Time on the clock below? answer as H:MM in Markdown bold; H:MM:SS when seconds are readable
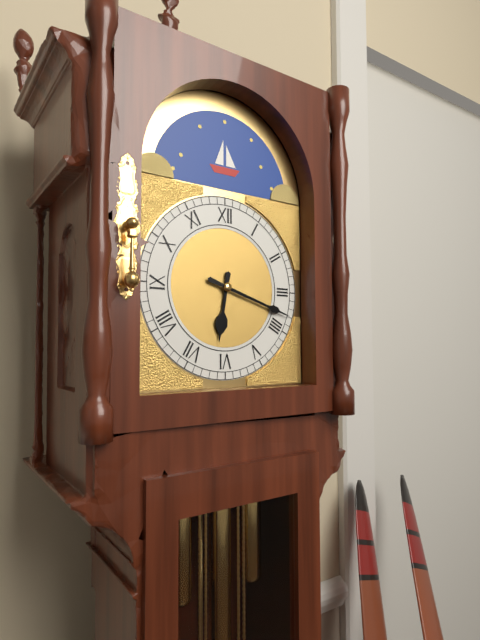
**6:18**
